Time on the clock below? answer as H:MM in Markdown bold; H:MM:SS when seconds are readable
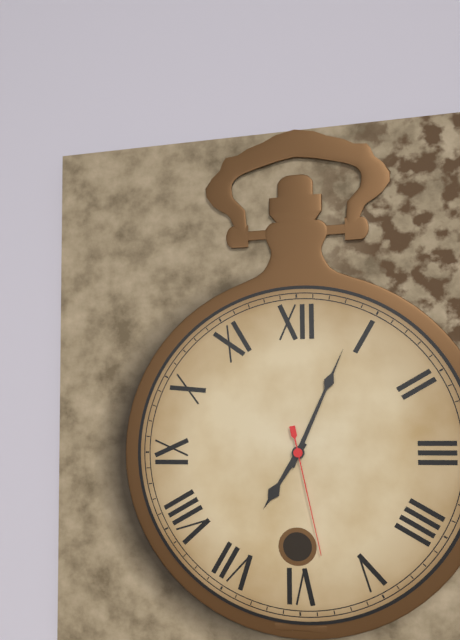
**7:04:28**
